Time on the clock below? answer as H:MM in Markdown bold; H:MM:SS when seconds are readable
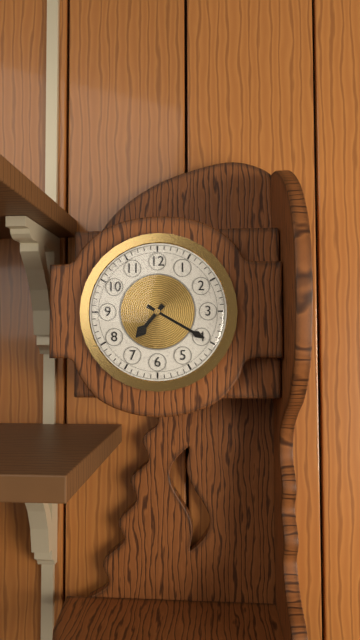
**7:20**
